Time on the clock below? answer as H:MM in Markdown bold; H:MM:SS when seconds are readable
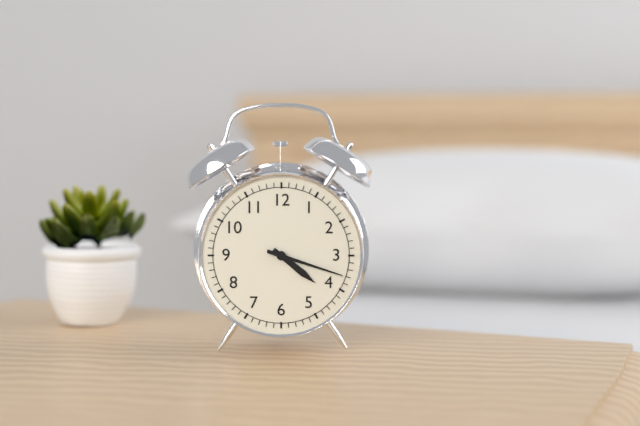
**4:18**
